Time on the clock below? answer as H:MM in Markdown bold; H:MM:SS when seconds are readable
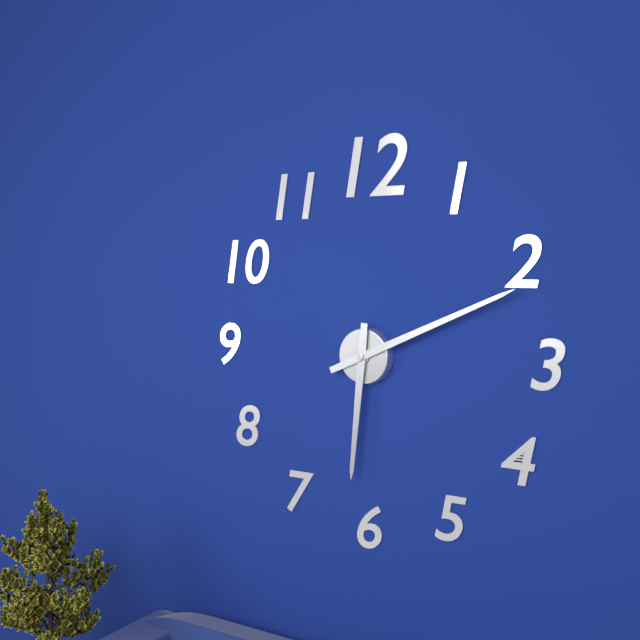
**6:11**
